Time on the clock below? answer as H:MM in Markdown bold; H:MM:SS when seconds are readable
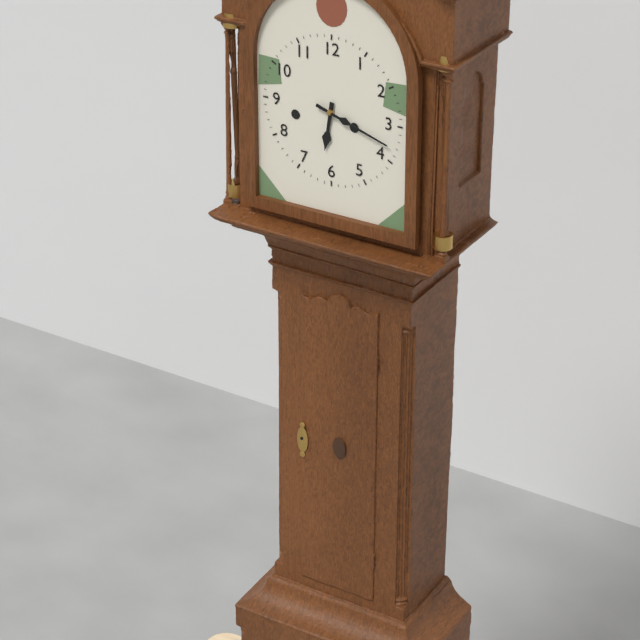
**6:18**
